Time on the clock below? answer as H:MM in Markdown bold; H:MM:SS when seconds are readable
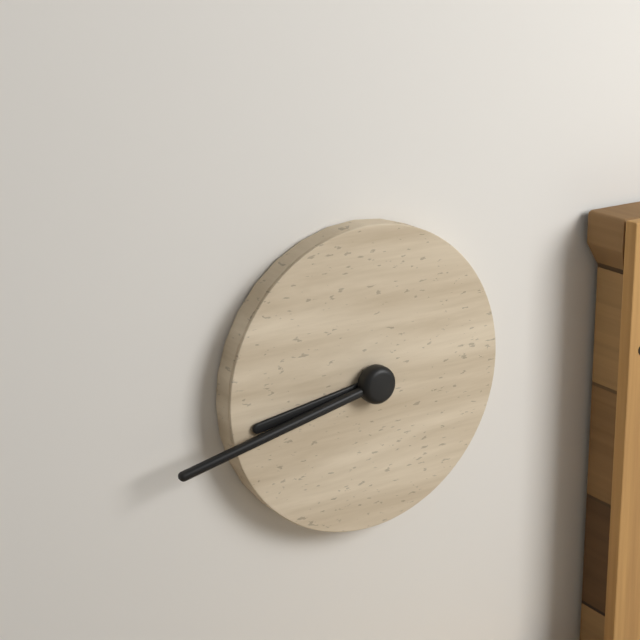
**8:43**
